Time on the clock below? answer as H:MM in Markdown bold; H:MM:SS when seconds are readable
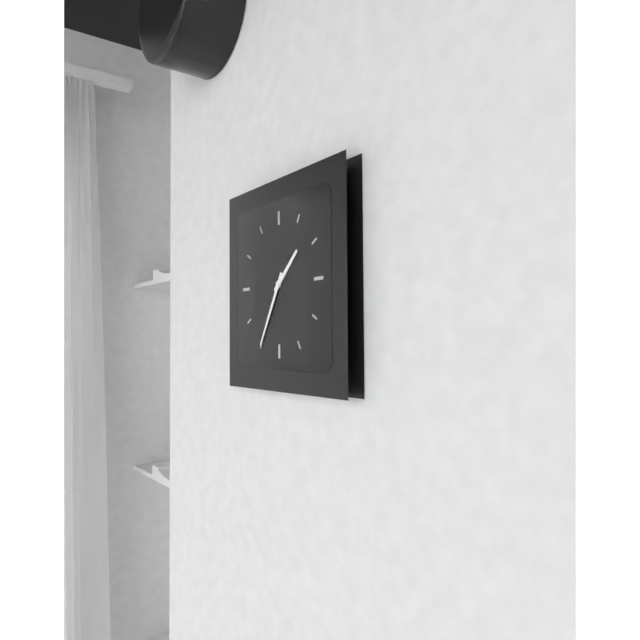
**1:35**
